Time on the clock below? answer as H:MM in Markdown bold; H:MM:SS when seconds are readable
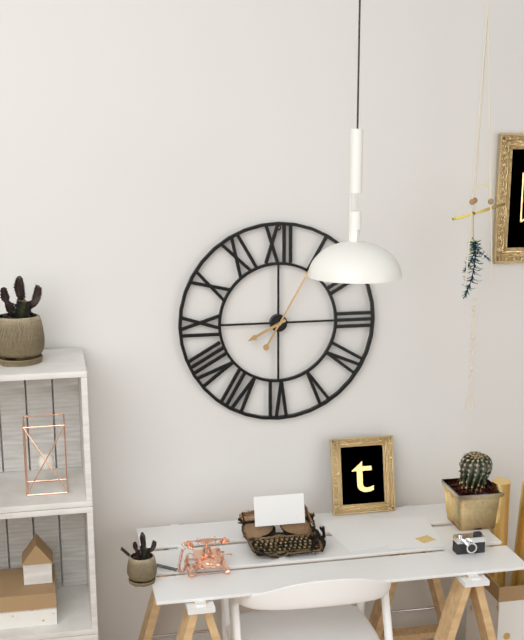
**8:05**
